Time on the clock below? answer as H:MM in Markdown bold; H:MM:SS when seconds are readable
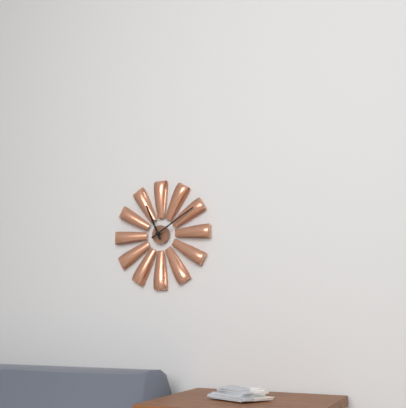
**11:10**
